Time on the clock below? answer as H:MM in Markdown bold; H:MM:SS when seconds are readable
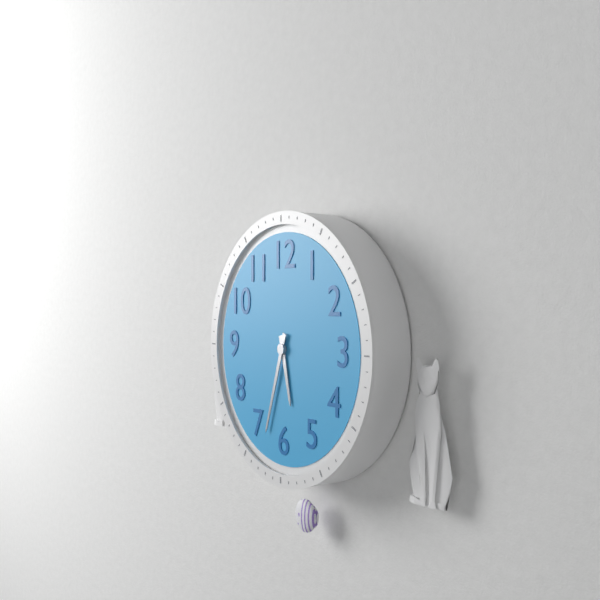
**5:33**
